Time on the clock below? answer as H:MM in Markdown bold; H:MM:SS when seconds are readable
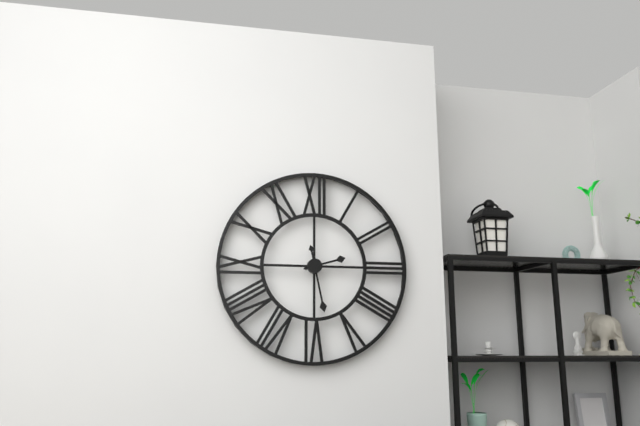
**2:28**
